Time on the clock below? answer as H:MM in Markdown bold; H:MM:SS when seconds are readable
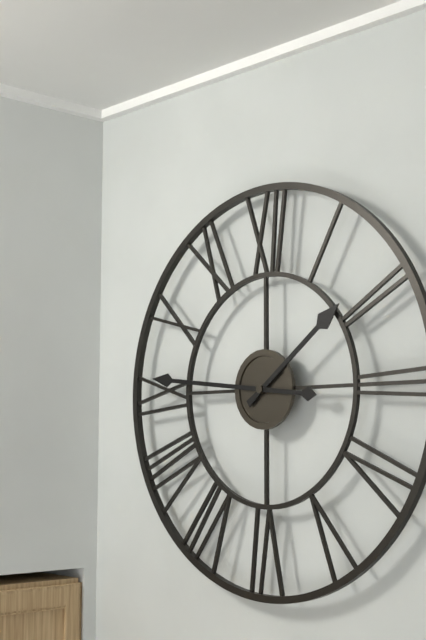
**1:46**
